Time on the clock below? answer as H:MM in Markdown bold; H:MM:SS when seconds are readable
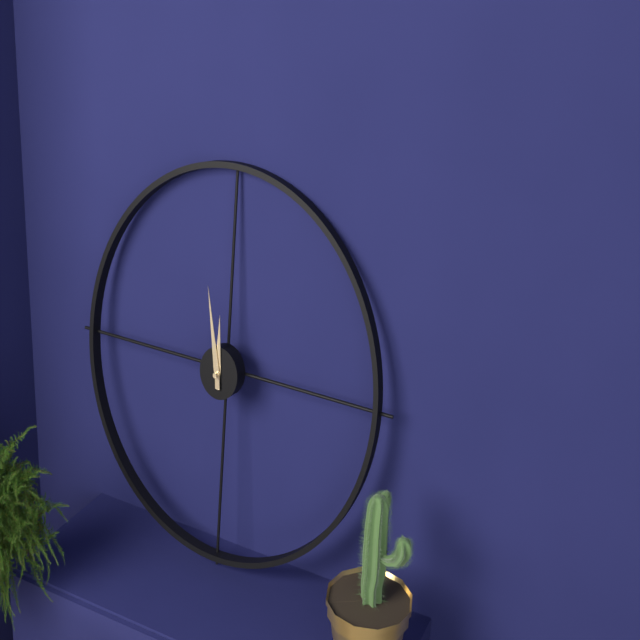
**11:58**
